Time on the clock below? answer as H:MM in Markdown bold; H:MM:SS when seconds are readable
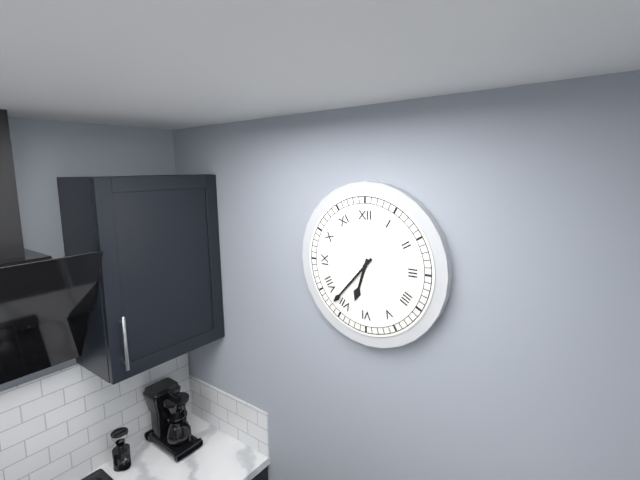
**6:37**
